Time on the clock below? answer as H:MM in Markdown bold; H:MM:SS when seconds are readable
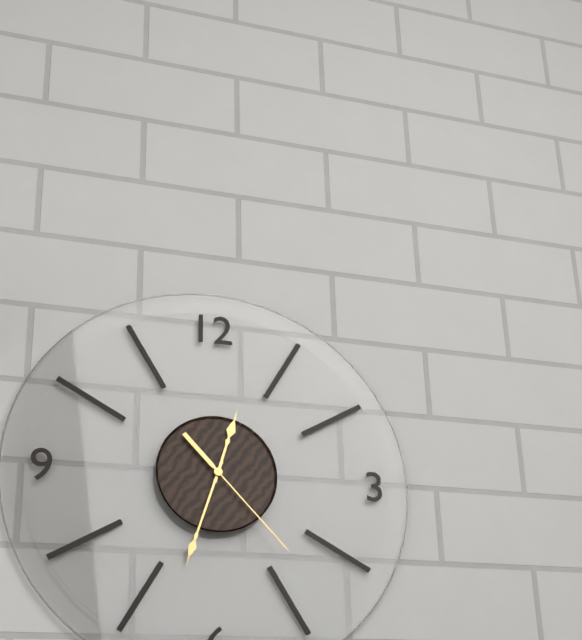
**12:33:23**
